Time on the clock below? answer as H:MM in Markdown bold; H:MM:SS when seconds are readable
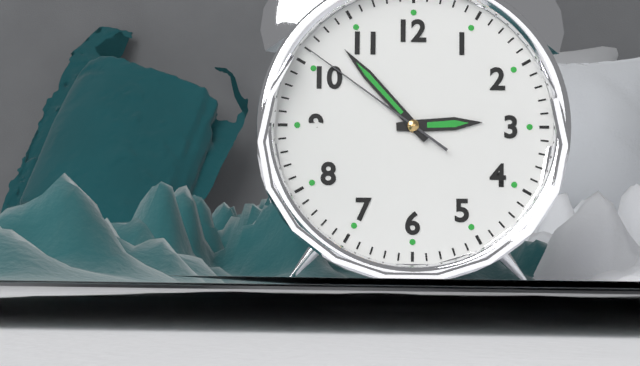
**2:53:51**
